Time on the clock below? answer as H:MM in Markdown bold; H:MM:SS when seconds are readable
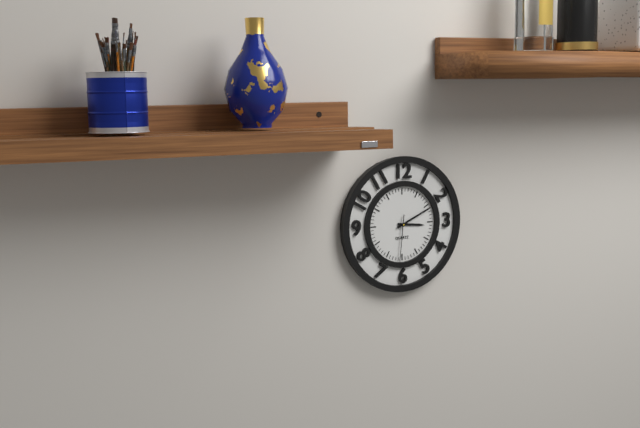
**3:11**
